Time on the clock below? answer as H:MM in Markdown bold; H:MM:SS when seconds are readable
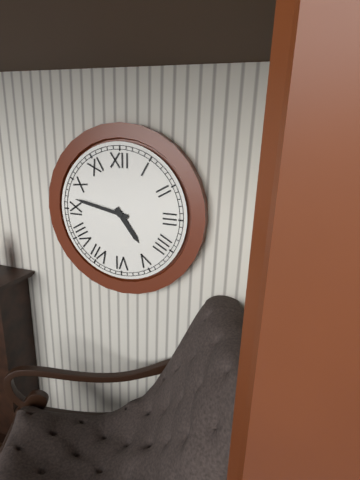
**4:47**
